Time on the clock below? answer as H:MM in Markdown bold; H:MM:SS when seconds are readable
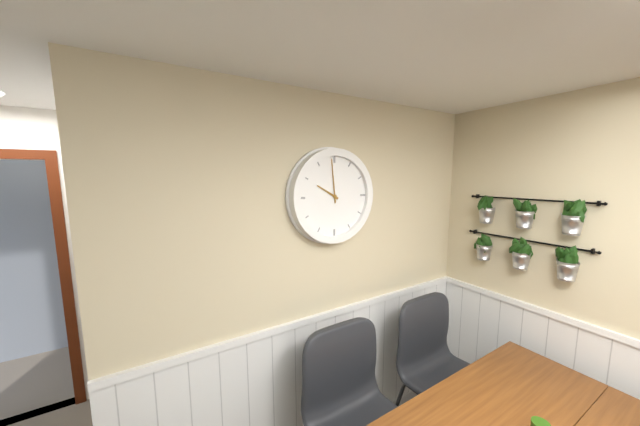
**9:59**
